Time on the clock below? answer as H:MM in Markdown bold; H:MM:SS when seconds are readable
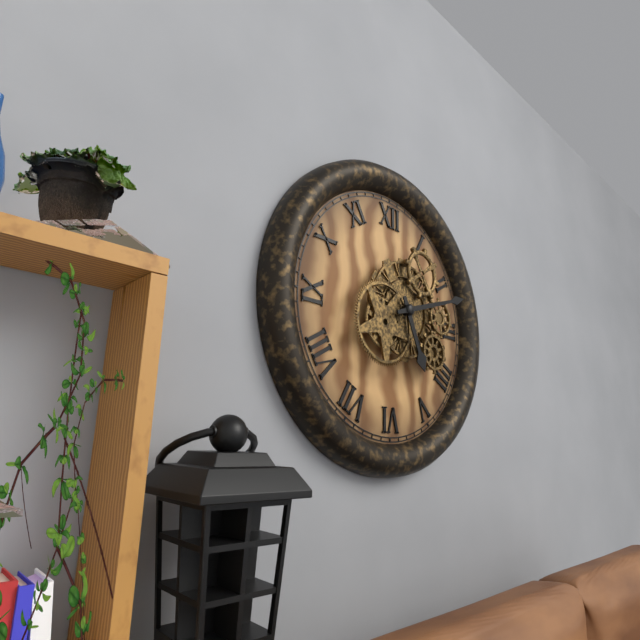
**5:12**
